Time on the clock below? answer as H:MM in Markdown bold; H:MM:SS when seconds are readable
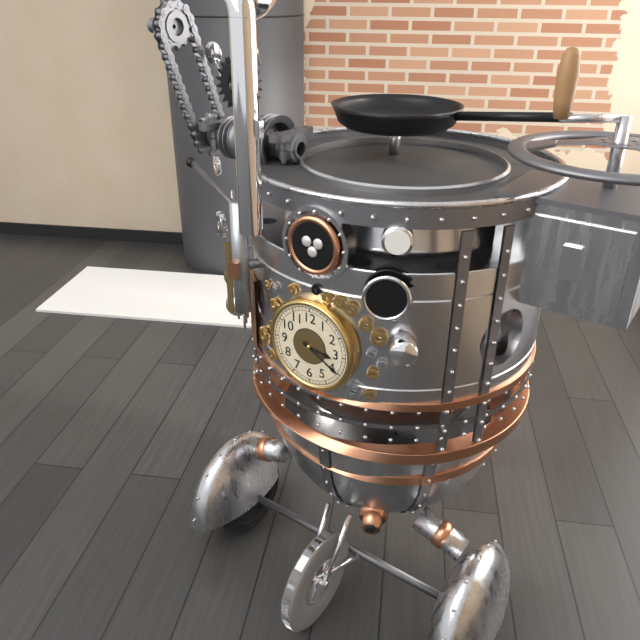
**3:20**
